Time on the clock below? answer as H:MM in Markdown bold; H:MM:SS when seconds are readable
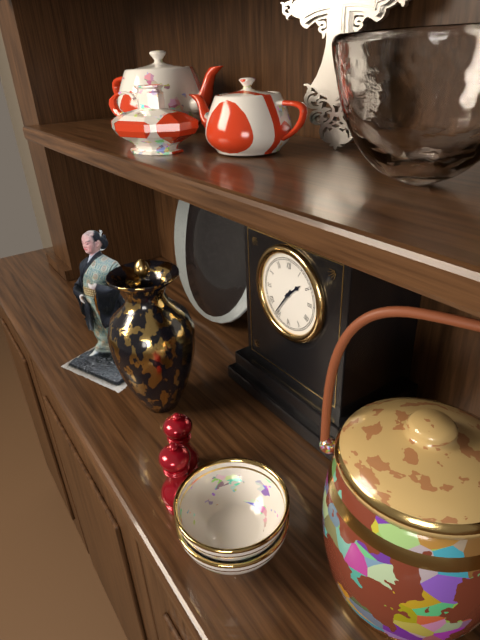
**1:36**
